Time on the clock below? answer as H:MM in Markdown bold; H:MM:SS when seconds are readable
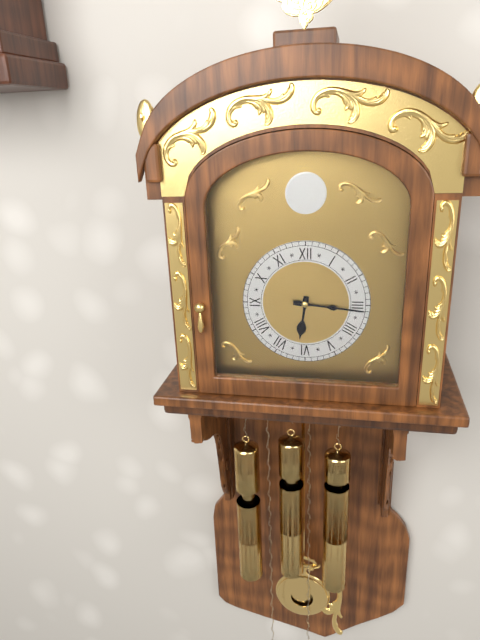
**6:16**
